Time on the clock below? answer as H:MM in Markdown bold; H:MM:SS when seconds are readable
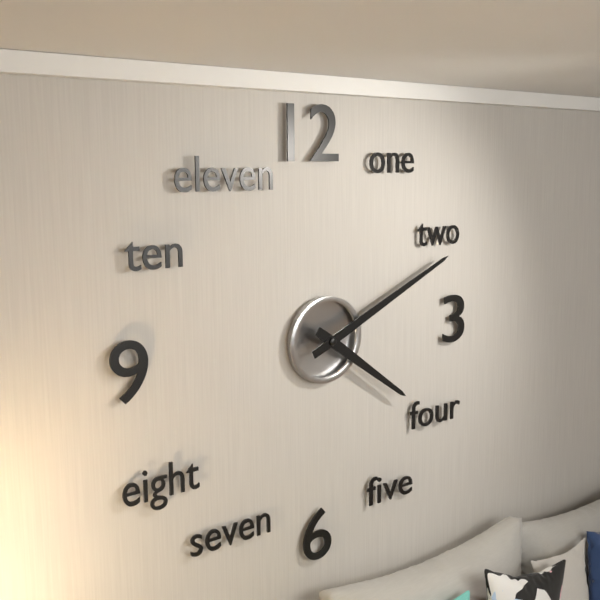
**4:11**
